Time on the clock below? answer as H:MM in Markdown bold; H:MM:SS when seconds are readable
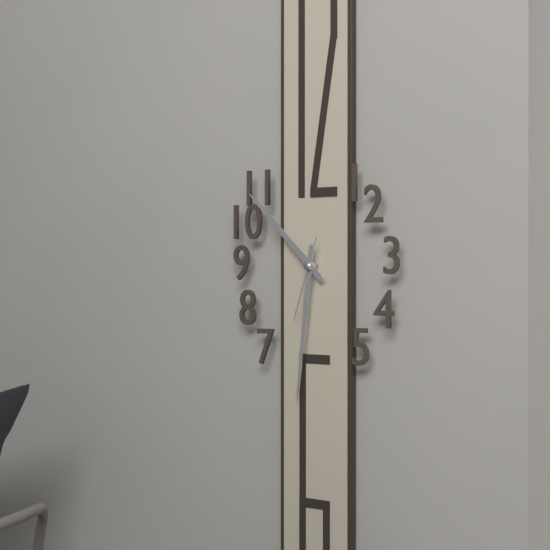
**10:31:33**
